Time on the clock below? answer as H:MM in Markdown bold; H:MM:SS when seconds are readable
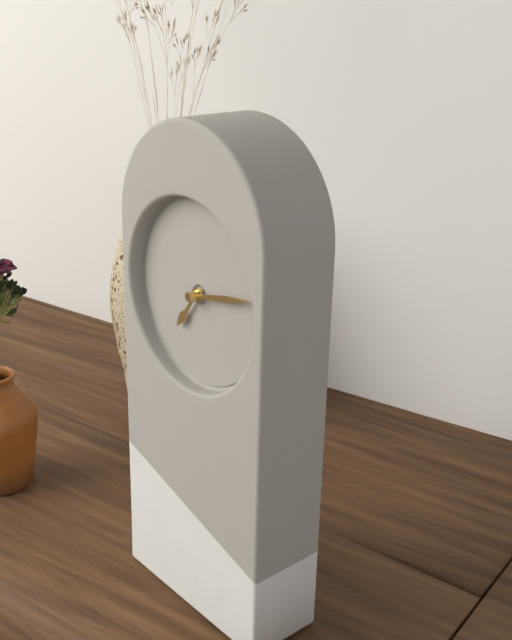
**7:13**
